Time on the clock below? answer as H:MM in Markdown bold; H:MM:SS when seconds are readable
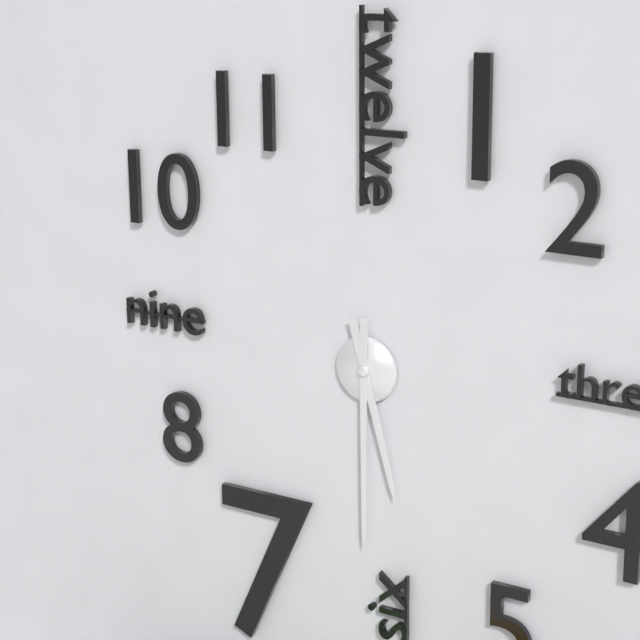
**5:30**
